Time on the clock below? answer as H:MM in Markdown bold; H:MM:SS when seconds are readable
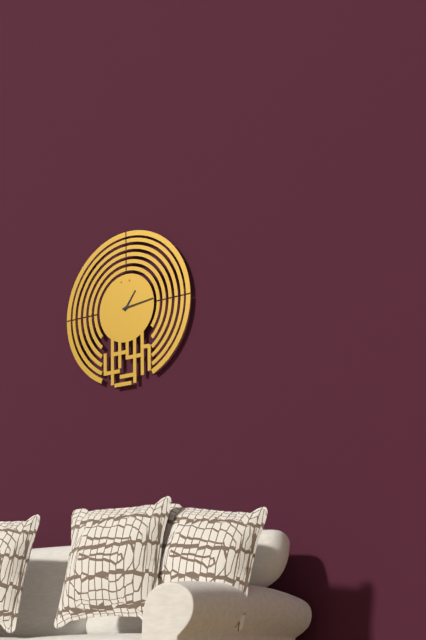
**1:14**
